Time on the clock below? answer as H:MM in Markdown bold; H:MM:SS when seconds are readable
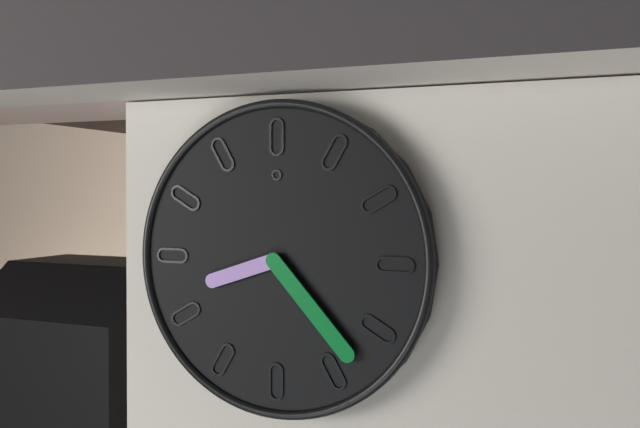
**8:23**
